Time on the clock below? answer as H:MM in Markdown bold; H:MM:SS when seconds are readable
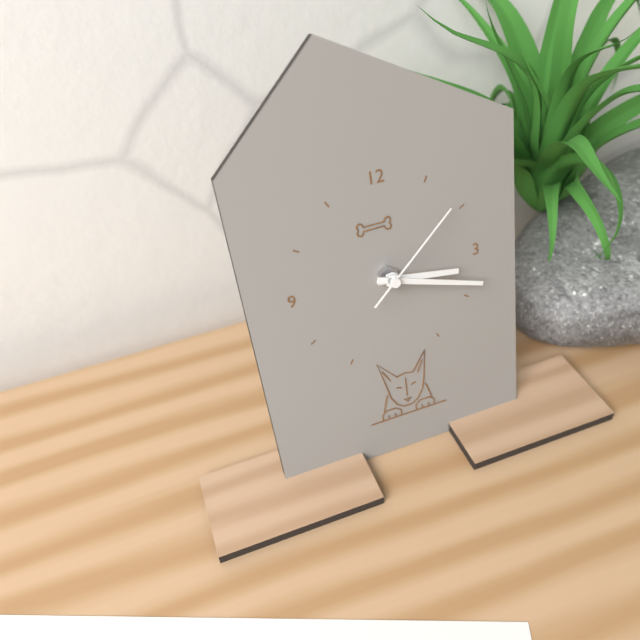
**3:18:08**
